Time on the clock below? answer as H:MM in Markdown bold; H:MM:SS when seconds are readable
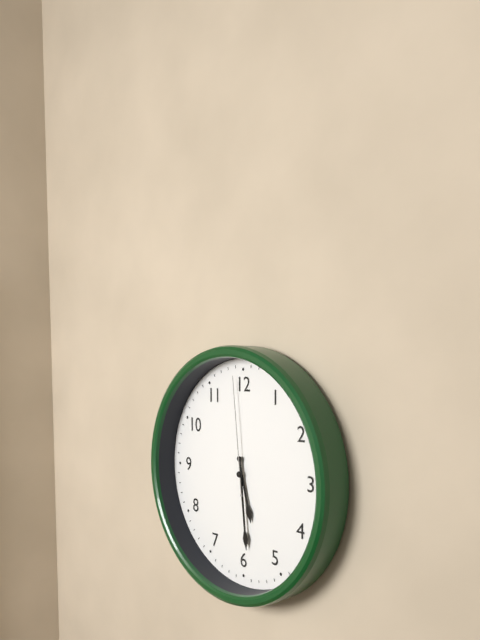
**5:29:59**
